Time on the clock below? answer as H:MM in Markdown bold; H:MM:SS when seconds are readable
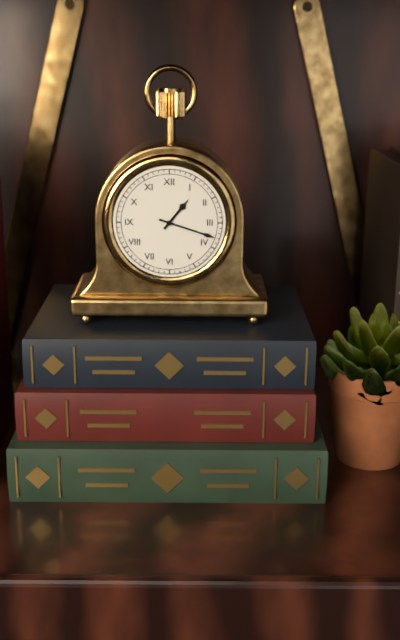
**1:18**
